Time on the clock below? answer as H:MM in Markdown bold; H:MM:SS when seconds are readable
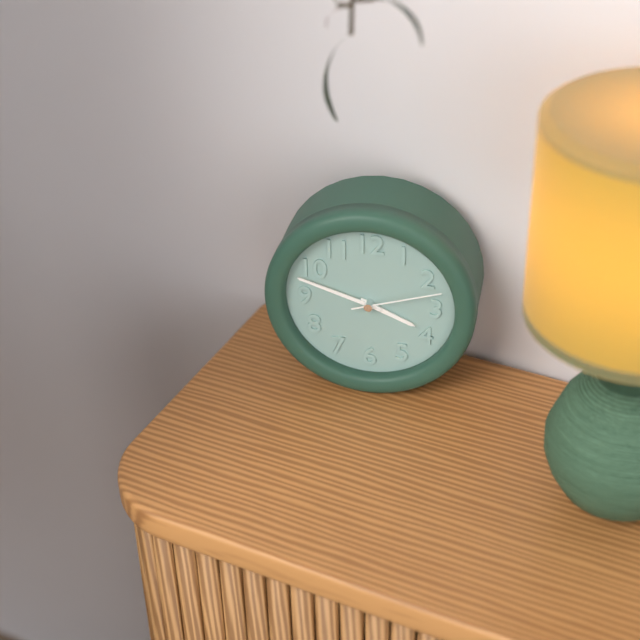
**3:48:12**
